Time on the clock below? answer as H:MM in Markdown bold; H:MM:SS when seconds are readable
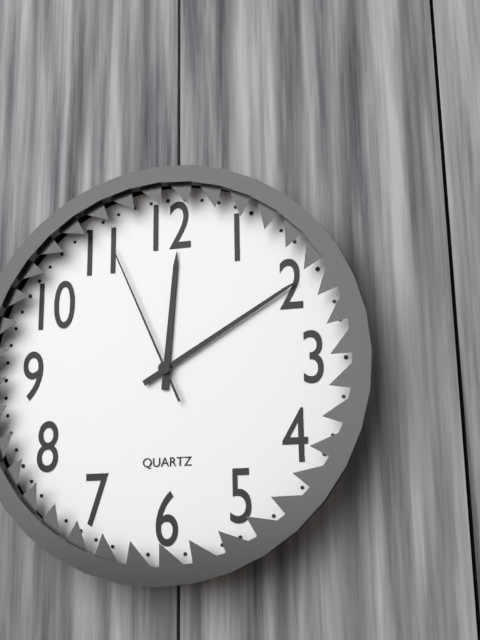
**12:10:56**
